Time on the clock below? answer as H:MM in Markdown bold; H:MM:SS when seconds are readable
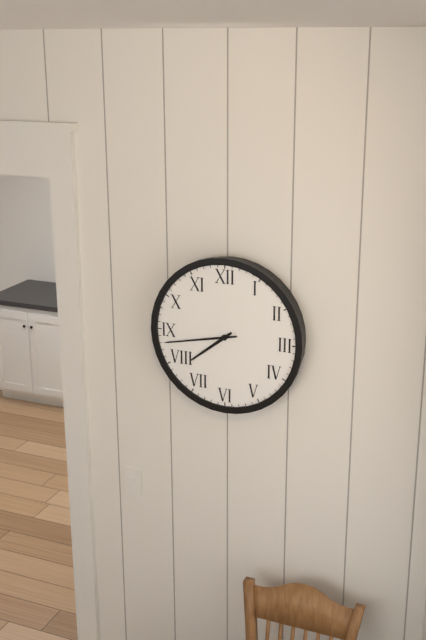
**7:43**
